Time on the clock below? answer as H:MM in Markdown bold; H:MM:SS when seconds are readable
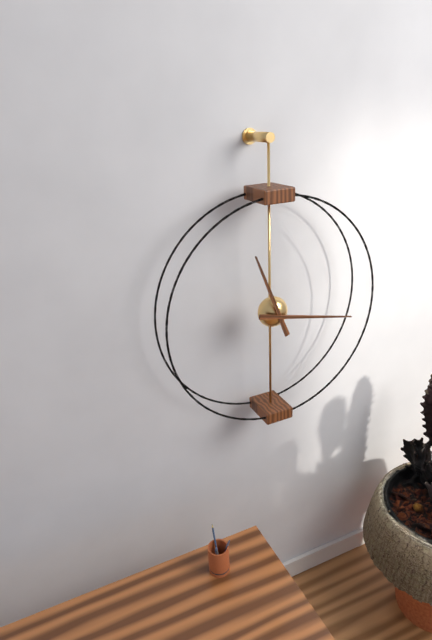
**11:17**
